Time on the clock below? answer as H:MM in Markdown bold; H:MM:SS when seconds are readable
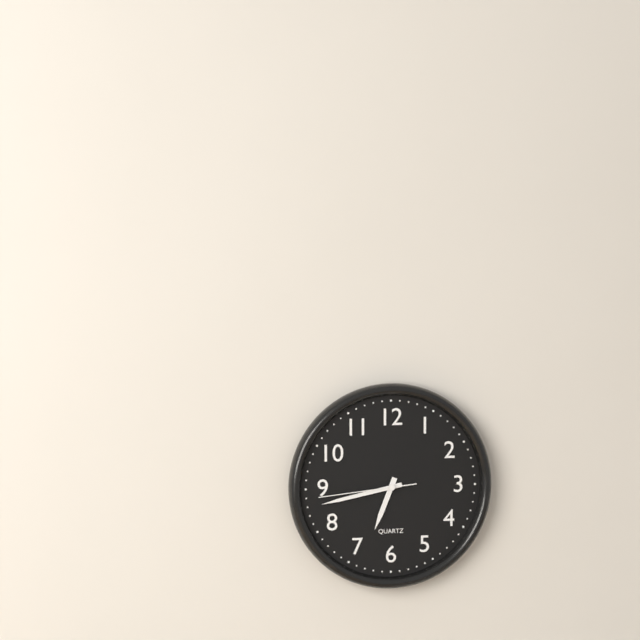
**6:43:44**
